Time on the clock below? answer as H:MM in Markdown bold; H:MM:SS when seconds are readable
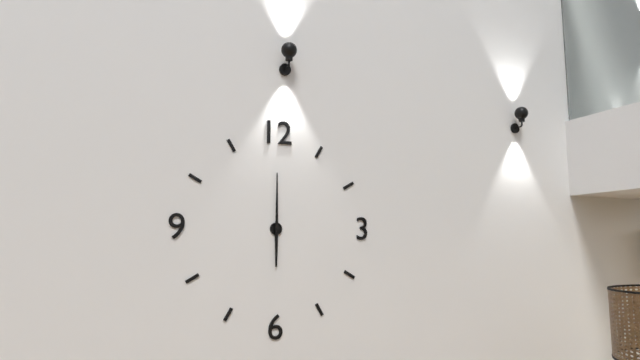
**6:00**
